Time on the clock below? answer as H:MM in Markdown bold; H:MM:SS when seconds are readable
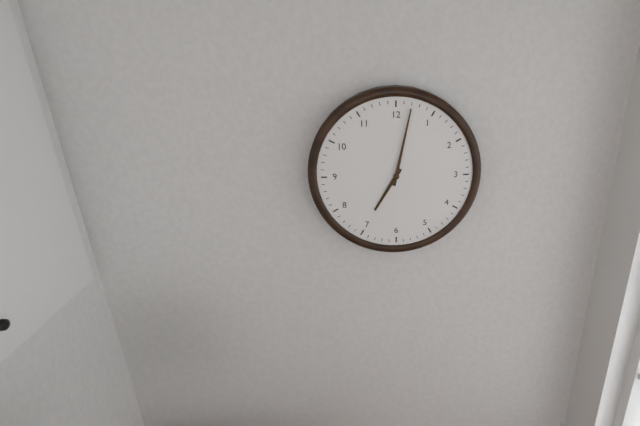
**7:02**
